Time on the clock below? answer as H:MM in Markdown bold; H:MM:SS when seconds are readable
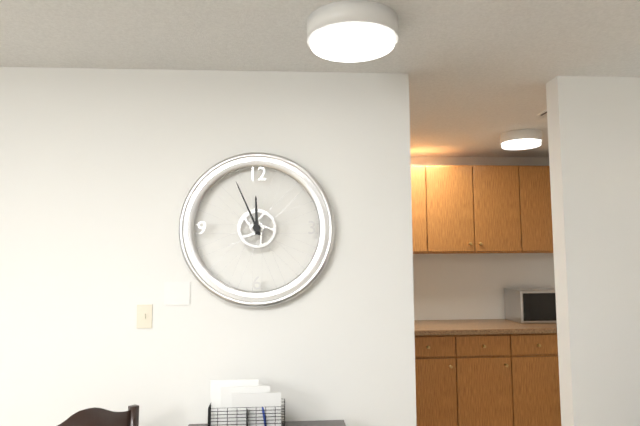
**11:56**
